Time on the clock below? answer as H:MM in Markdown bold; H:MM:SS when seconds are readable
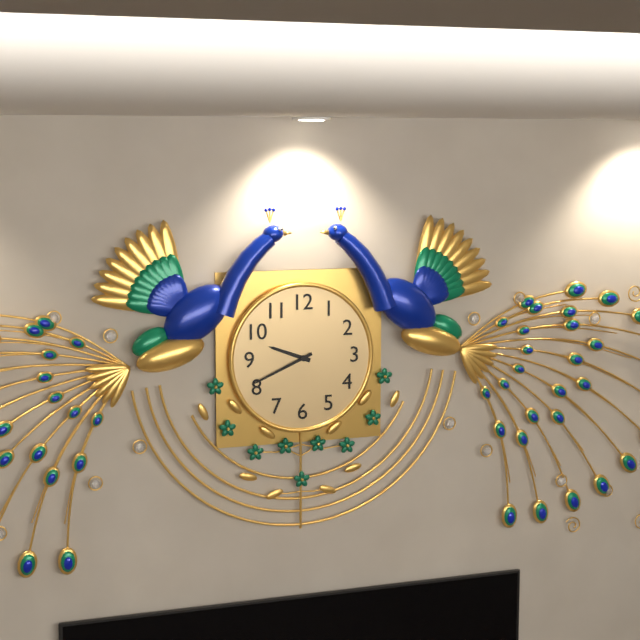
**9:41**
